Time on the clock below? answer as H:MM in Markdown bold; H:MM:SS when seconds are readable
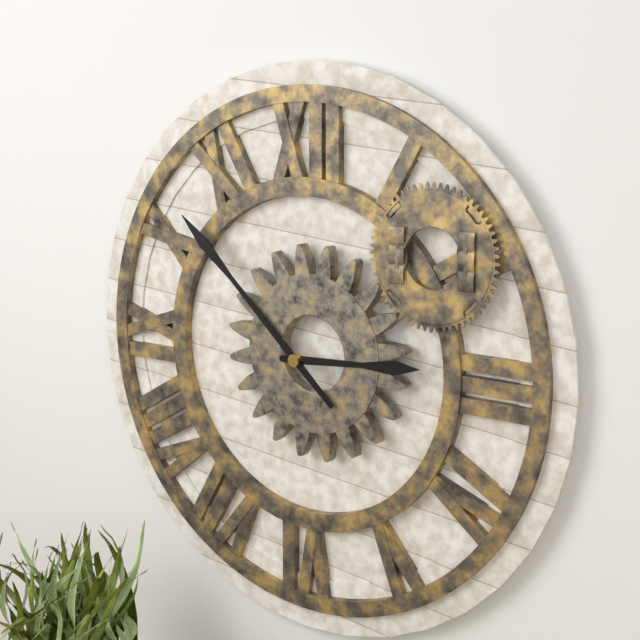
**2:52**
